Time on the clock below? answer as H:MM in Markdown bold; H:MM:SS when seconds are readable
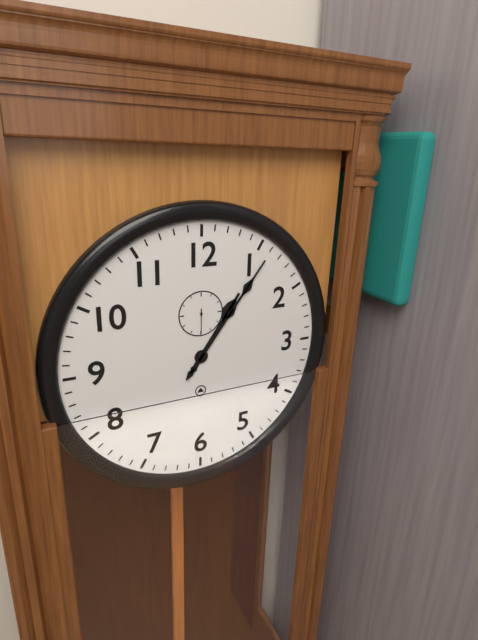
**1:06**
